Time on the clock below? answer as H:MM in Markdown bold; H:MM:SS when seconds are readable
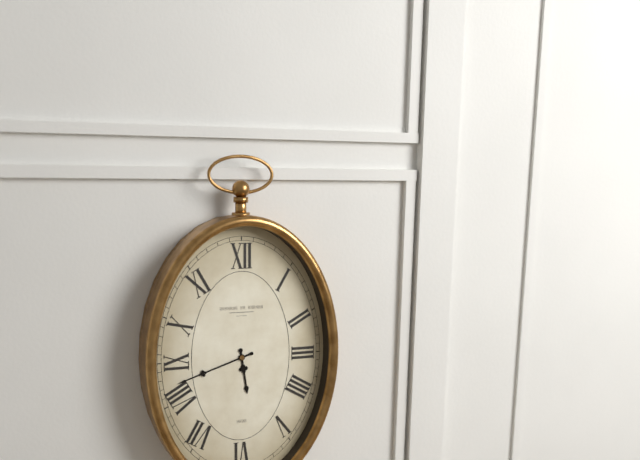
**5:42**
